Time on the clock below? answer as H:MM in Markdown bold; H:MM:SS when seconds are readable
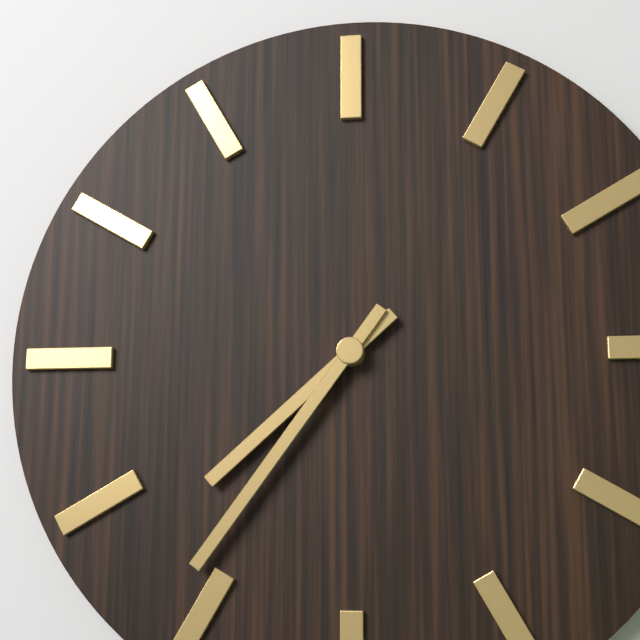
**7:36**
